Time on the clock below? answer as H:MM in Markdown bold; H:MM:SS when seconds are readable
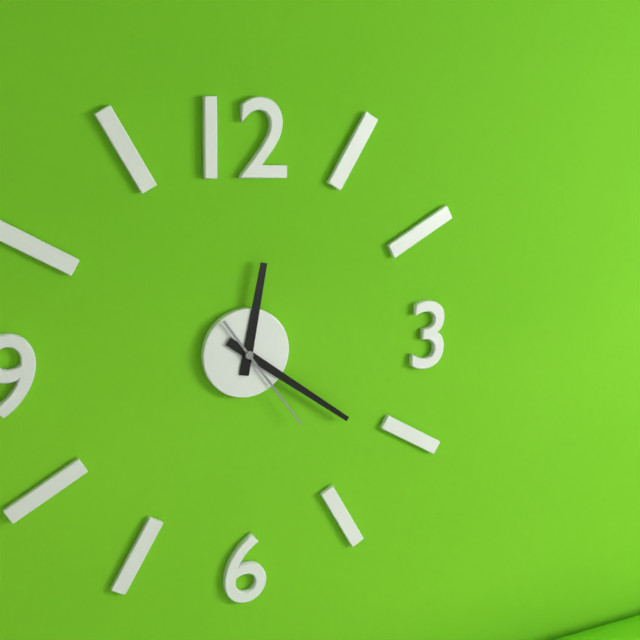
**12:21:24**
